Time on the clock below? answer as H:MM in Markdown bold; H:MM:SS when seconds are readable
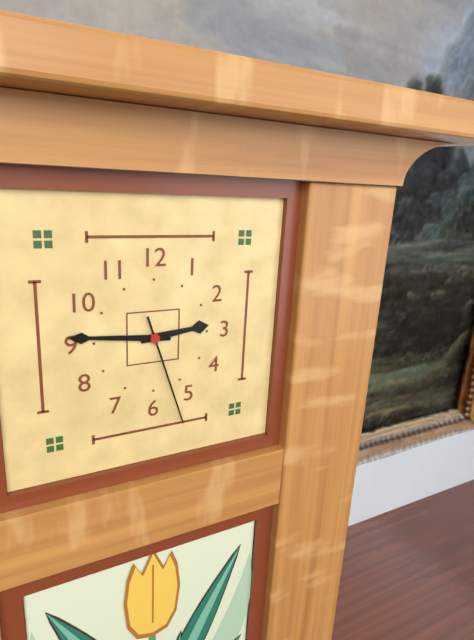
**2:46:27**
